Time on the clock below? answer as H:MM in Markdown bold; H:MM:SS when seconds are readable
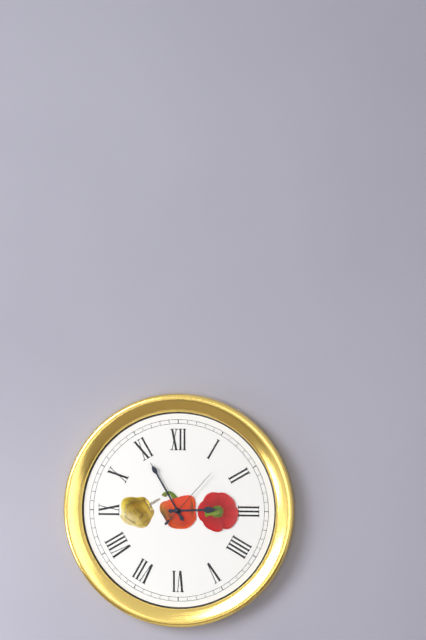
**2:55:07**
